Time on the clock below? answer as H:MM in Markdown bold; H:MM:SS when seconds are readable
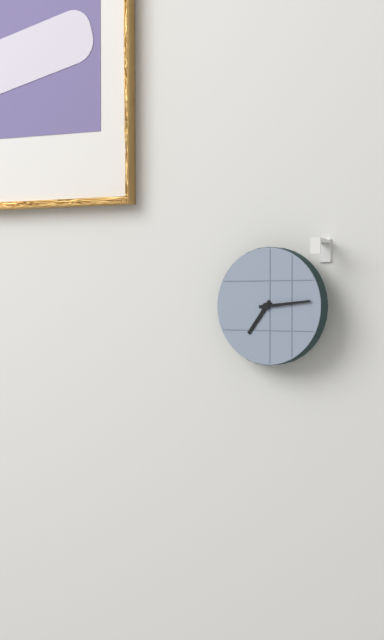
**7:14**
